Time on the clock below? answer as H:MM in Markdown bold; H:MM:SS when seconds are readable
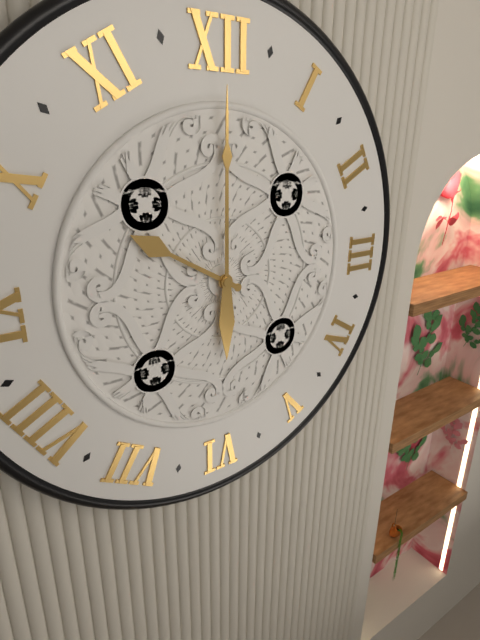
**10:00**
